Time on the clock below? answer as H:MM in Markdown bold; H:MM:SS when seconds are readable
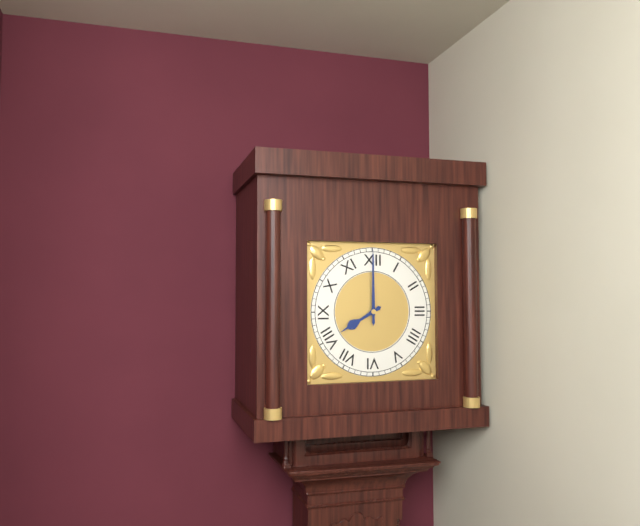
**8:00**
